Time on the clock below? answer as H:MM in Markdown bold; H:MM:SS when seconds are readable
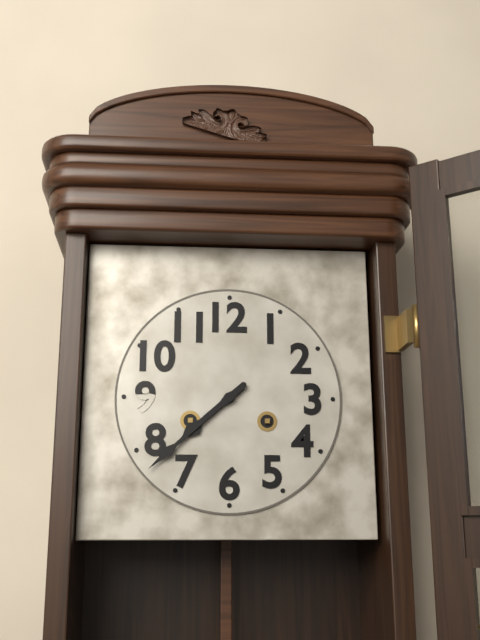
**7:38**
